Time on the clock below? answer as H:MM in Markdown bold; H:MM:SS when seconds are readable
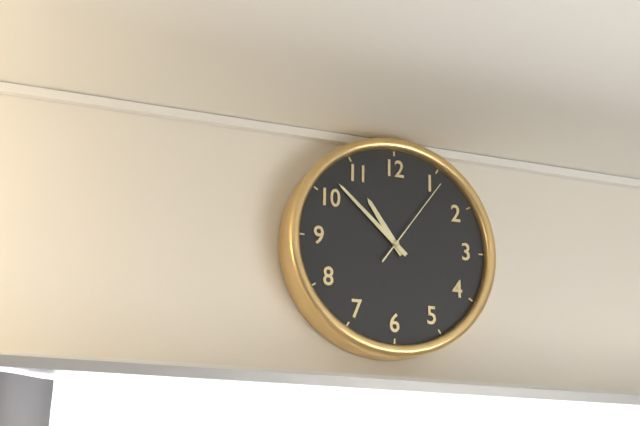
**10:52:06**
